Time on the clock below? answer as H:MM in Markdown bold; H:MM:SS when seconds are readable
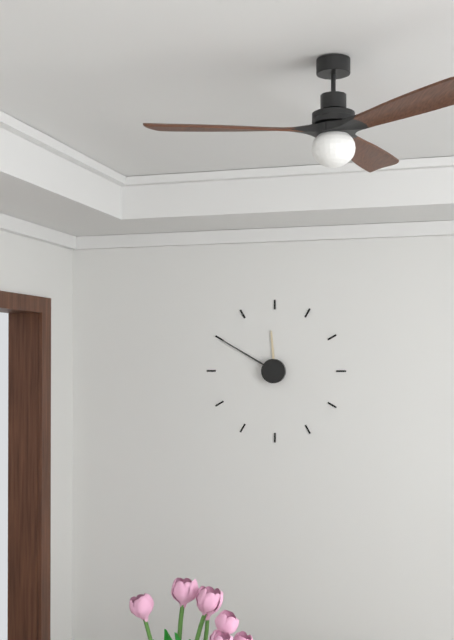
**11:50**
